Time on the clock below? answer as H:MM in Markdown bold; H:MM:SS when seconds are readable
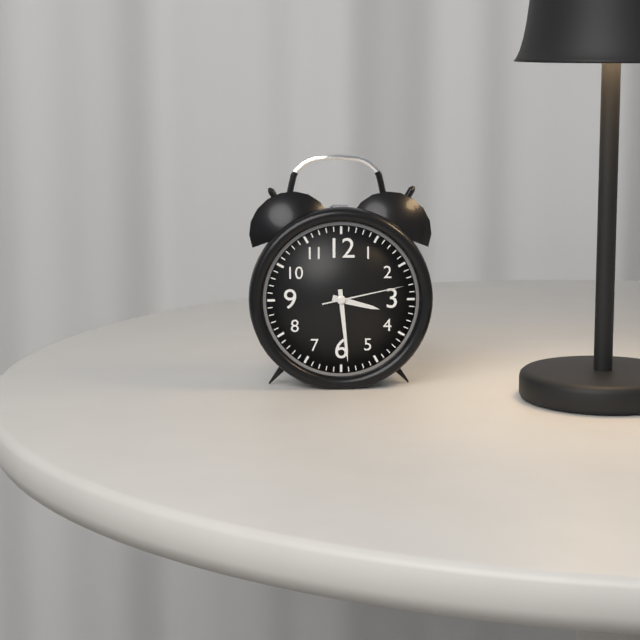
**3:29:13**
